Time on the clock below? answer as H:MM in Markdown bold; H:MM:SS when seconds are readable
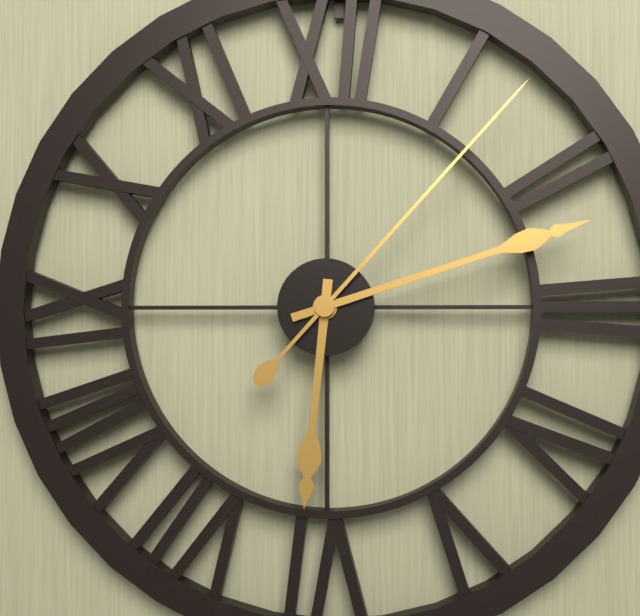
**6:12:07**
